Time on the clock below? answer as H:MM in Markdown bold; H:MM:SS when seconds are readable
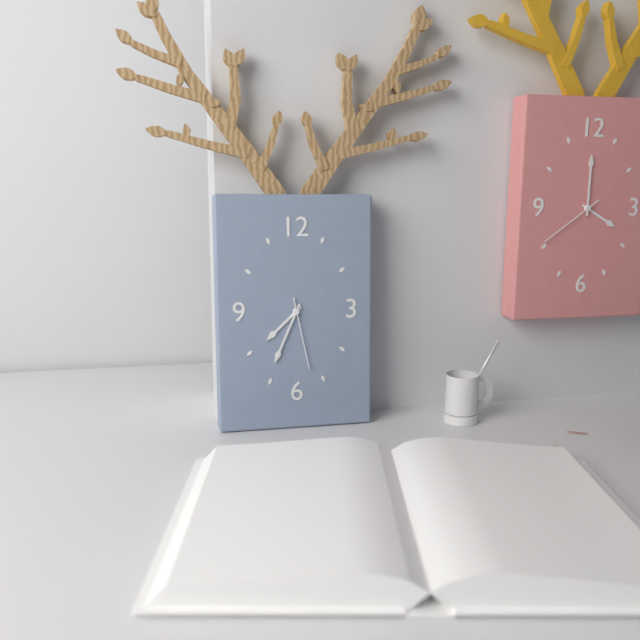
**7:34:28**
